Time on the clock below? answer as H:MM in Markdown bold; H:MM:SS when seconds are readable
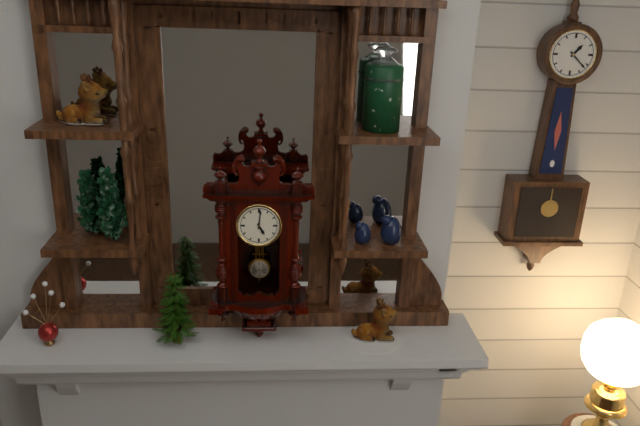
**5:01**
